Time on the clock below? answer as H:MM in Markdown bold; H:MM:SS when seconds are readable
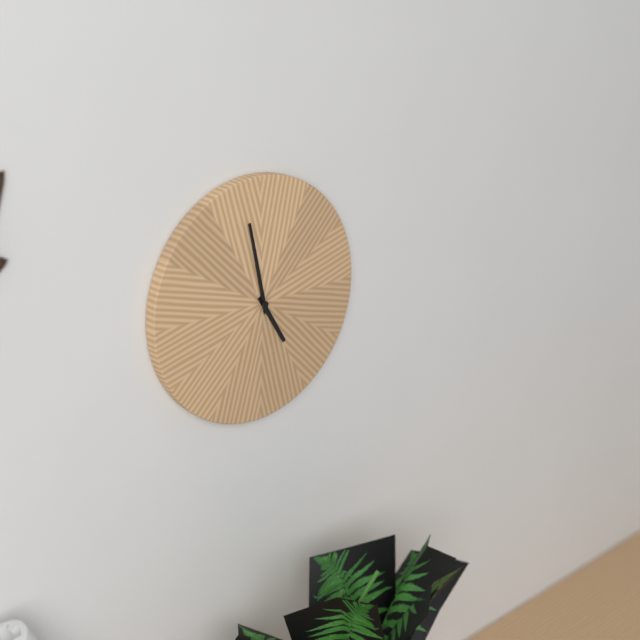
**4:58**
